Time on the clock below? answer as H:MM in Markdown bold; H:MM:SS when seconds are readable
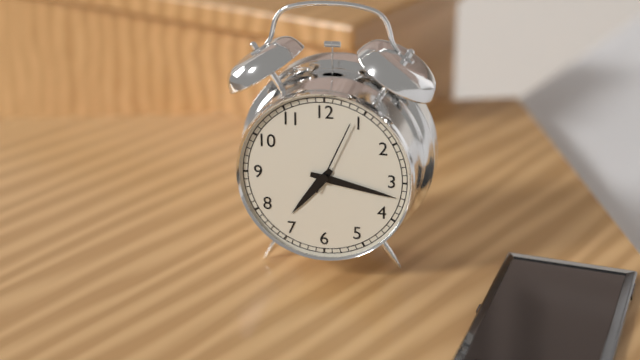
**7:17:04**
